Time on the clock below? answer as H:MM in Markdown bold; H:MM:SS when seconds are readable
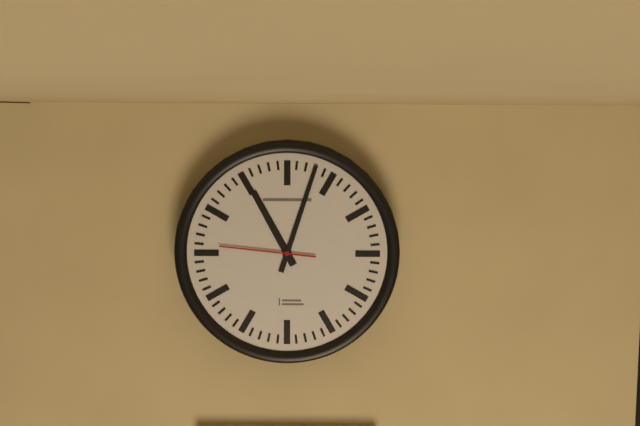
**11:03:46**
